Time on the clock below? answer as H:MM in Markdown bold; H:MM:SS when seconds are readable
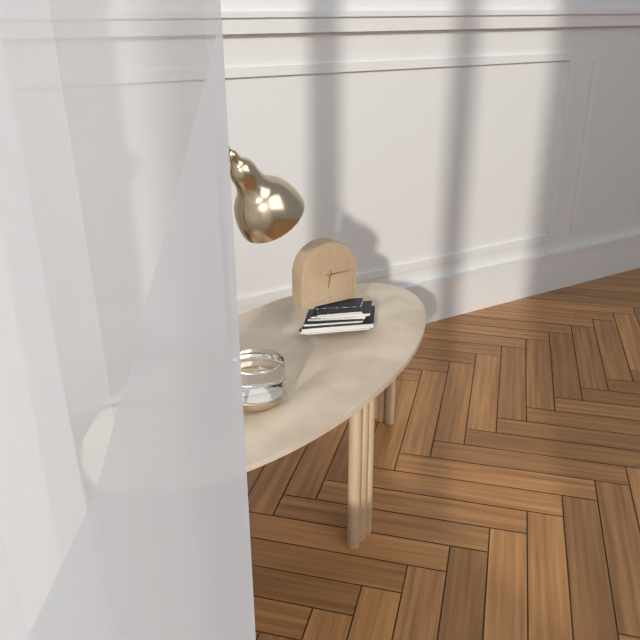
**6:15**
